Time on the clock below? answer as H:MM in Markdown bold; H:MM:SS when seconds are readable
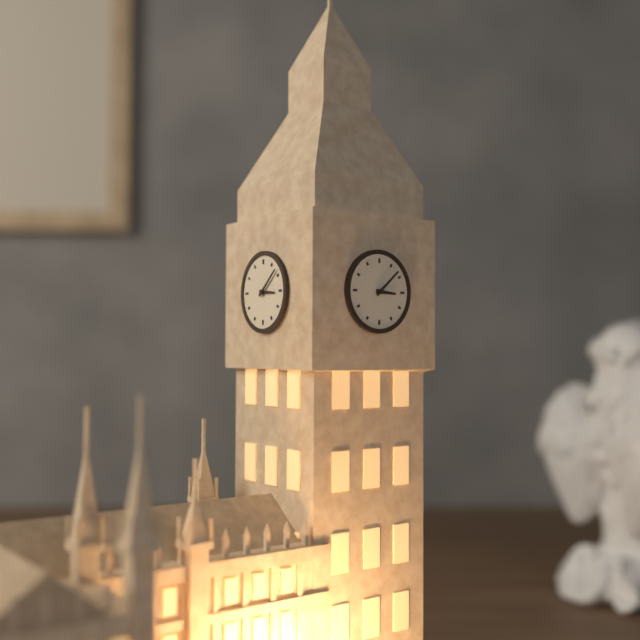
**3:08**
